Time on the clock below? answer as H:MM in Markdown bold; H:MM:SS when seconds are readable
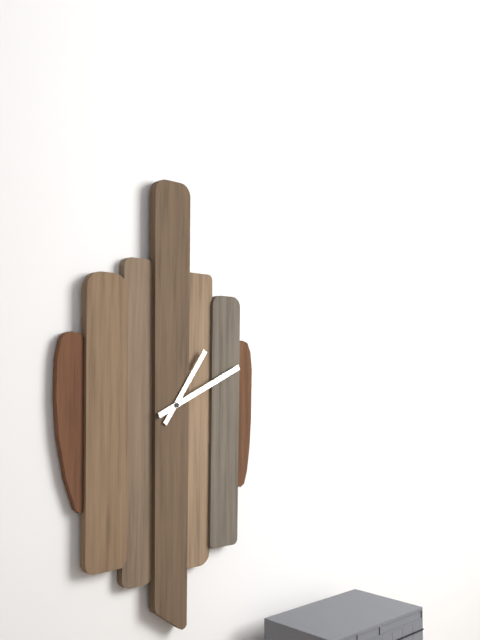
**1:11**
